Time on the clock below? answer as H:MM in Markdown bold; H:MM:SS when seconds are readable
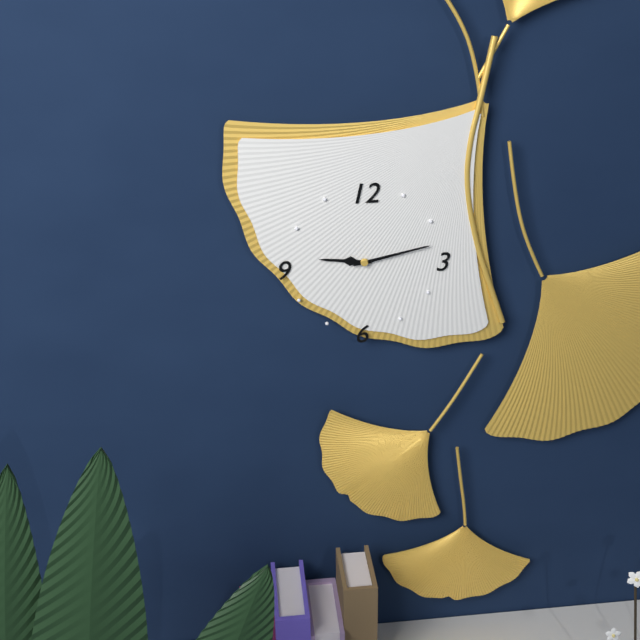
**9:13**
